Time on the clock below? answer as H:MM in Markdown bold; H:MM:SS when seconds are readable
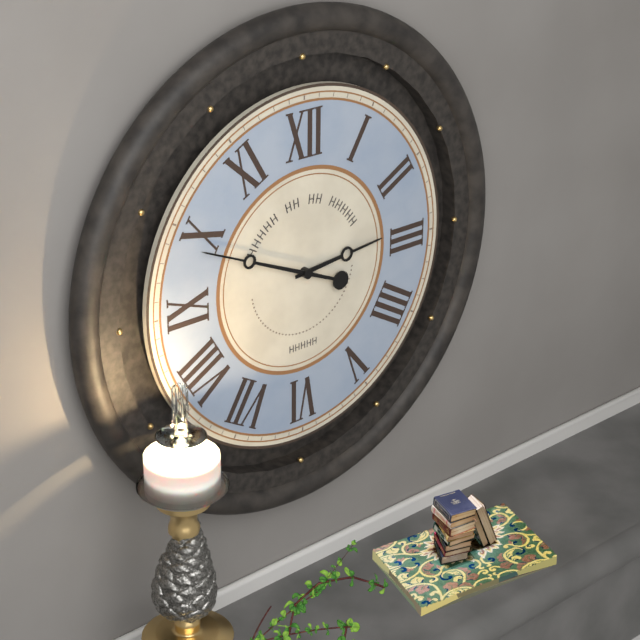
**2:49**
